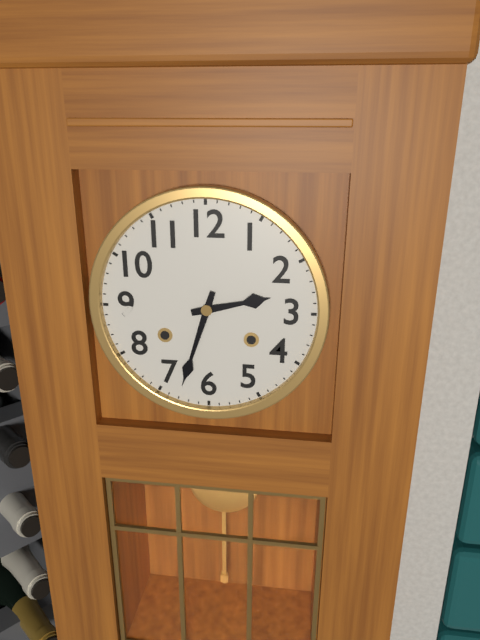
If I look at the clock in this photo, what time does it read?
2:33
